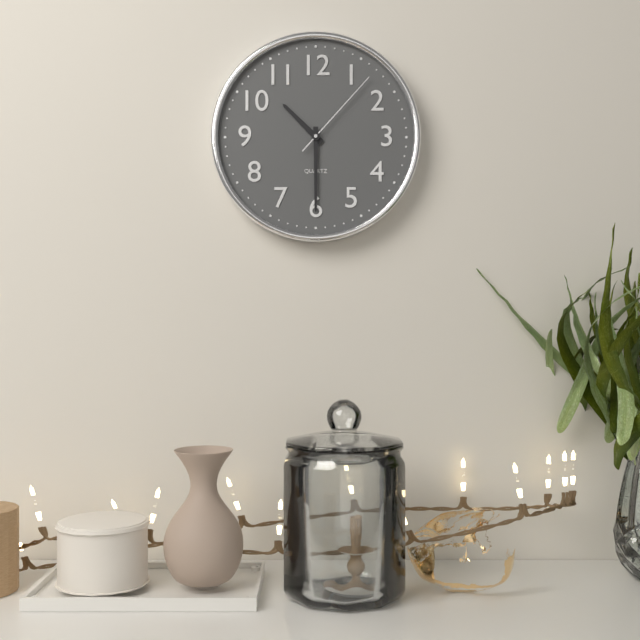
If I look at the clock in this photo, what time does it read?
10:30:07
